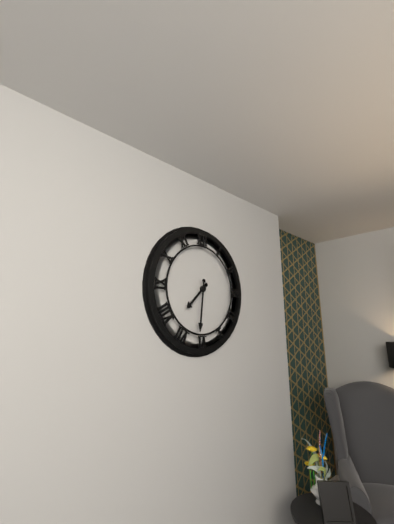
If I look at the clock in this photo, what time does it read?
7:31
